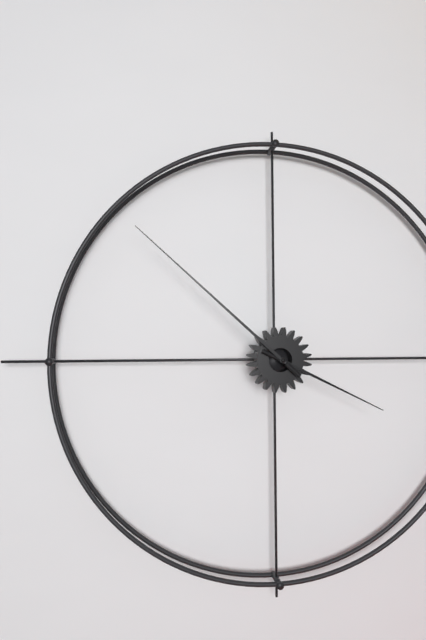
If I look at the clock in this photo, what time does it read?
3:52
